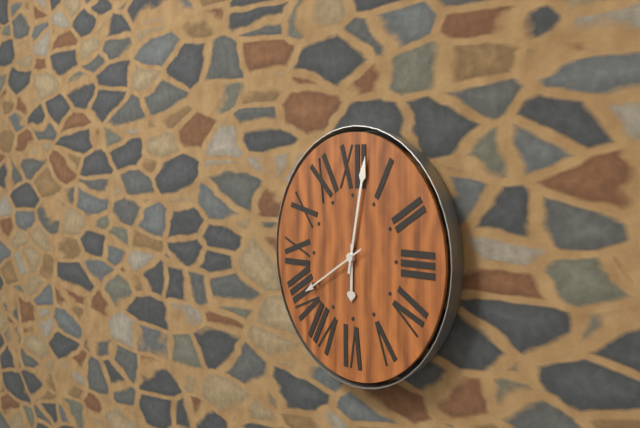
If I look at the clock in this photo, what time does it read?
6:02:40
